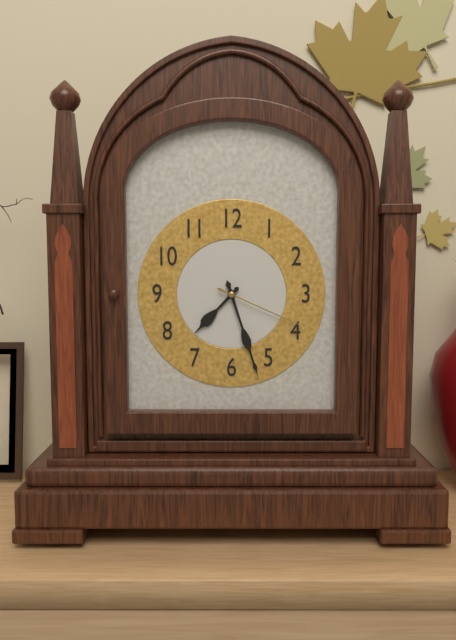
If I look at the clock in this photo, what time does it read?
7:27:19
